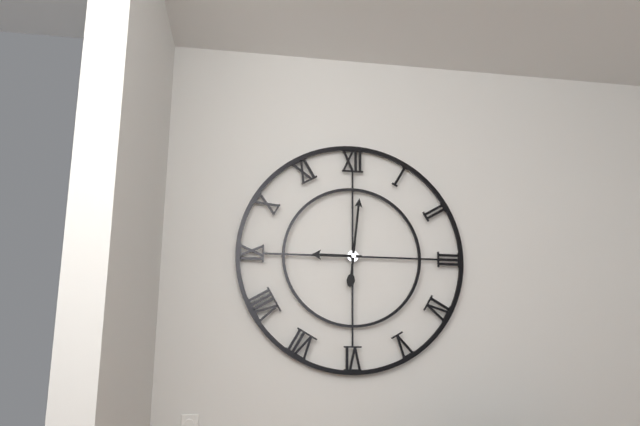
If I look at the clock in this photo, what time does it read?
9:01
